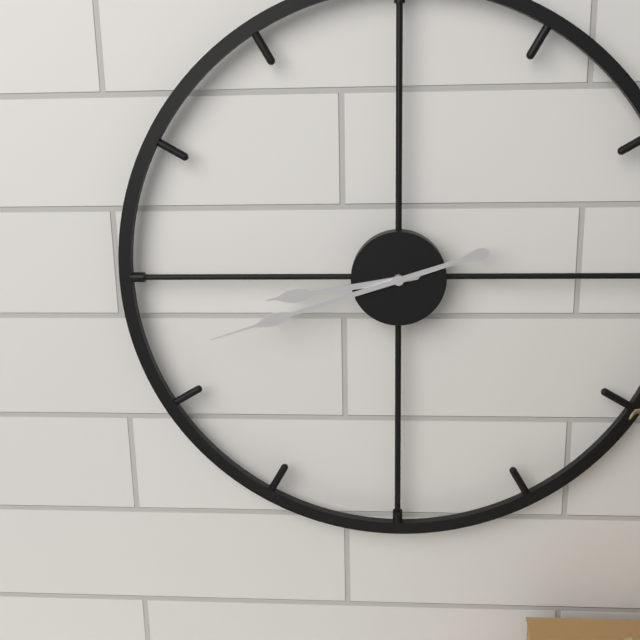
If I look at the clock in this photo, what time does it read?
8:42
